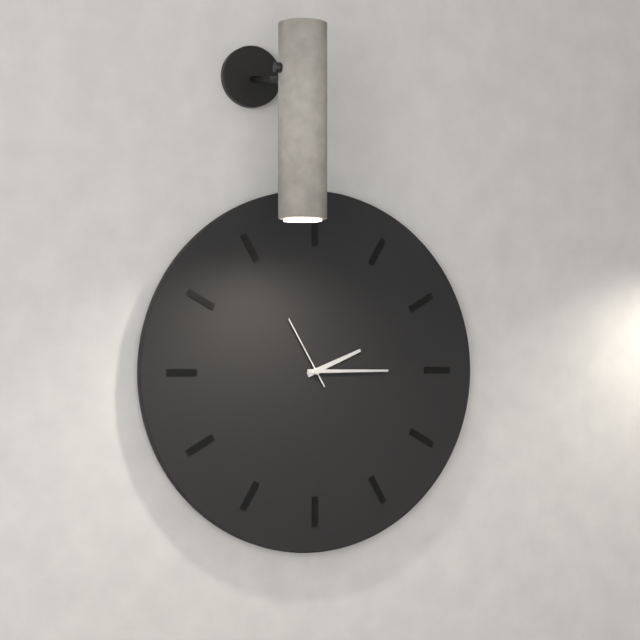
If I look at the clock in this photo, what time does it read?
2:15:55
